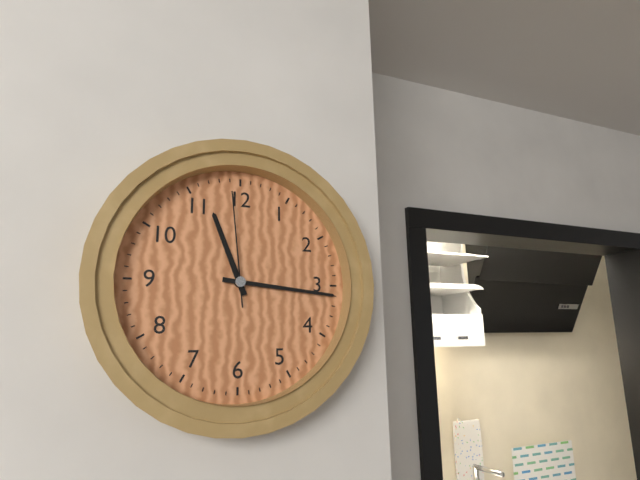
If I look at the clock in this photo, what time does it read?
11:16:59
